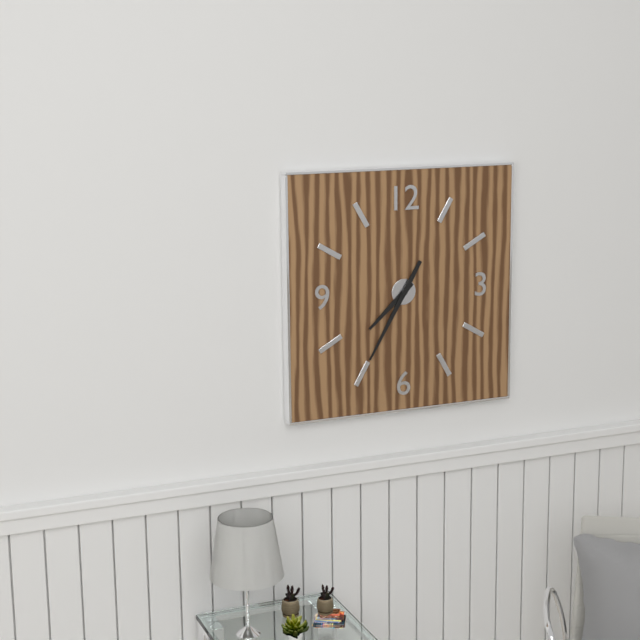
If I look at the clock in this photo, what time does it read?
7:35
